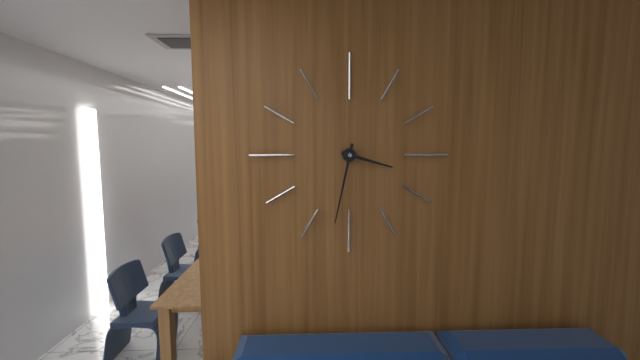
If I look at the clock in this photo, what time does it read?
3:32
